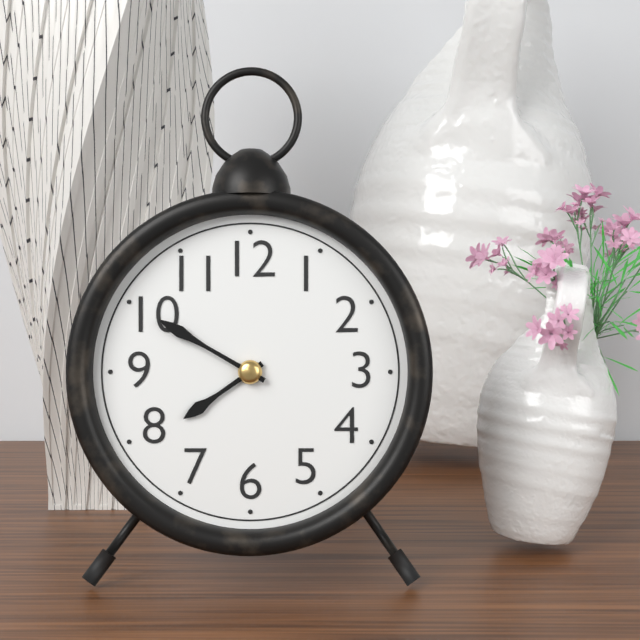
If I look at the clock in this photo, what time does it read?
7:50
